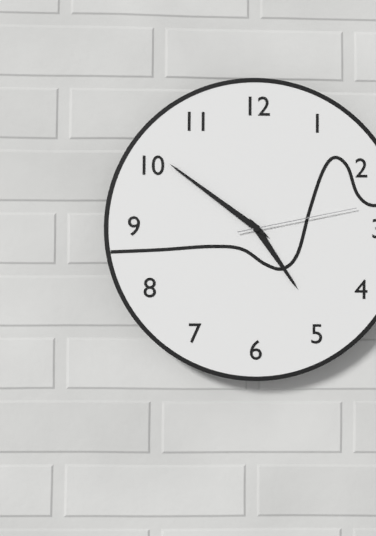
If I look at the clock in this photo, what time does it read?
4:51:13
